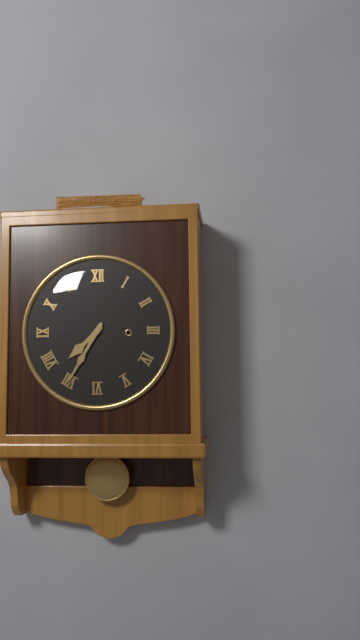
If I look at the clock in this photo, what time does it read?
7:35
